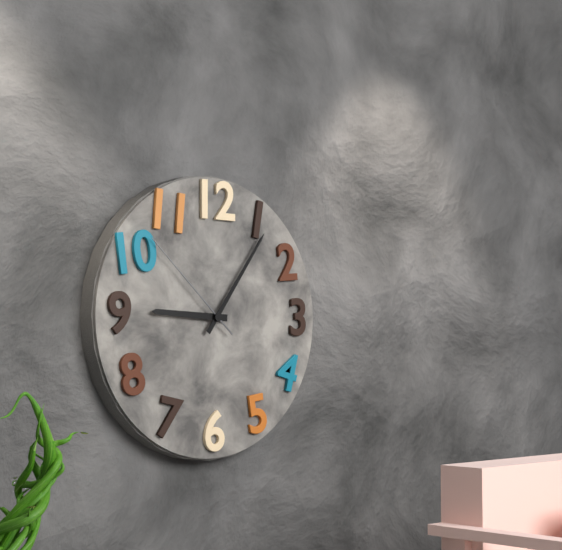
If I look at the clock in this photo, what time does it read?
9:06:52
